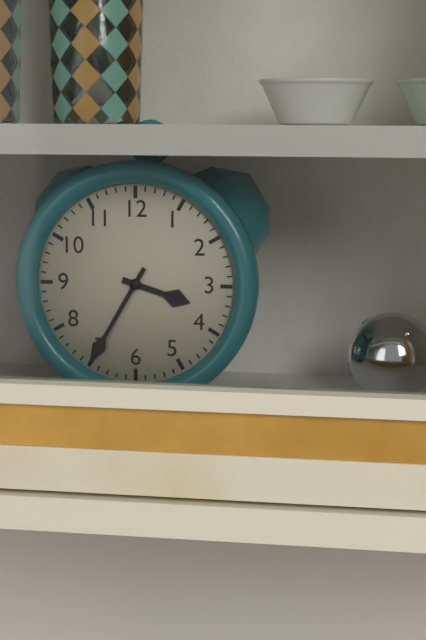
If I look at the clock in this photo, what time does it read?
3:35
